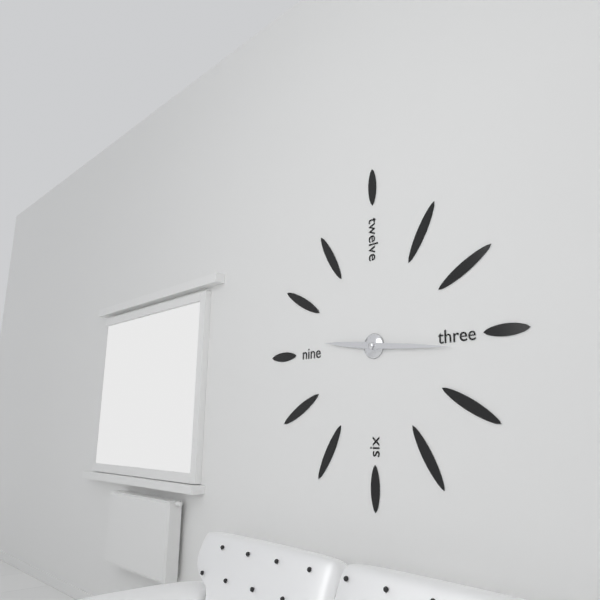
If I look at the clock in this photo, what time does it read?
9:16
